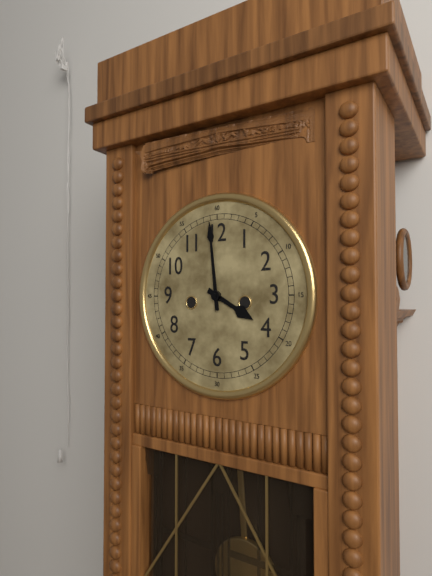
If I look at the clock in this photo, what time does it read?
3:59
